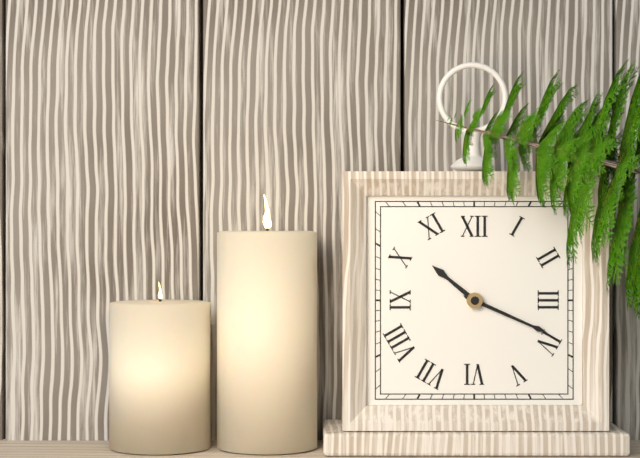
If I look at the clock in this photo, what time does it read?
10:19
